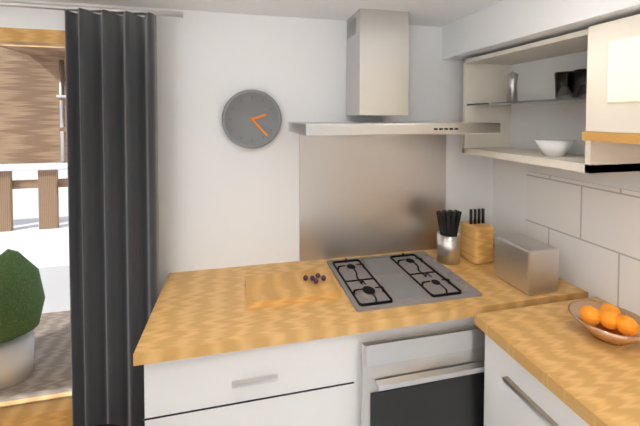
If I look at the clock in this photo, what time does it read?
2:23
